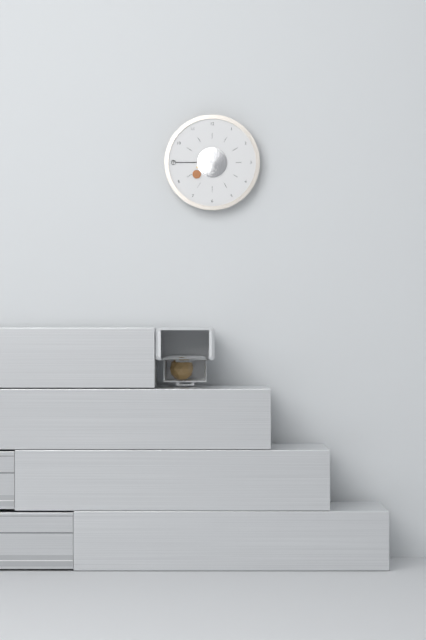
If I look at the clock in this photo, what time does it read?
7:45
